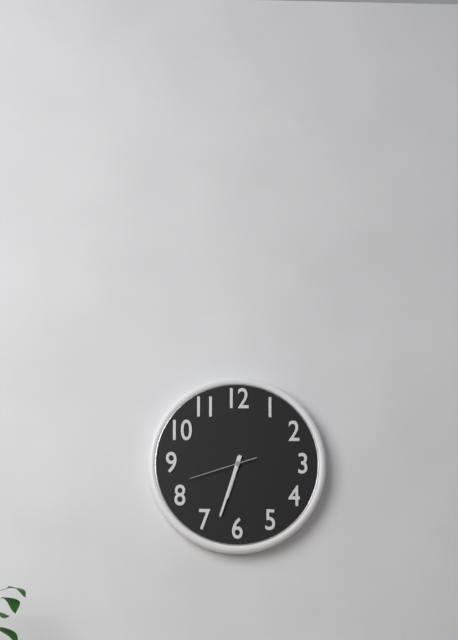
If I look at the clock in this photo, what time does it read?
6:33:42
